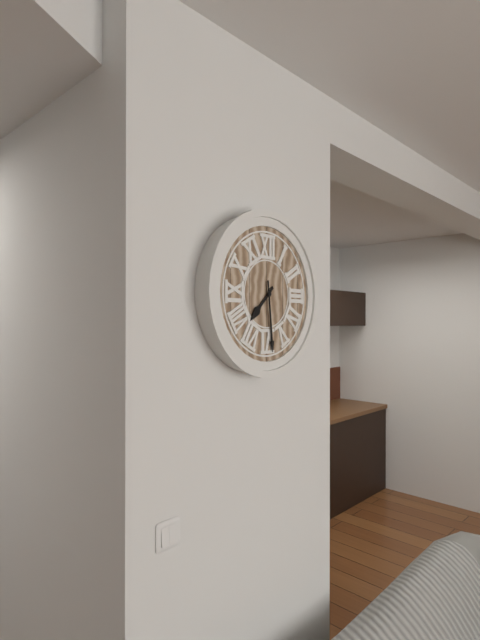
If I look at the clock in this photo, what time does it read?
7:29
